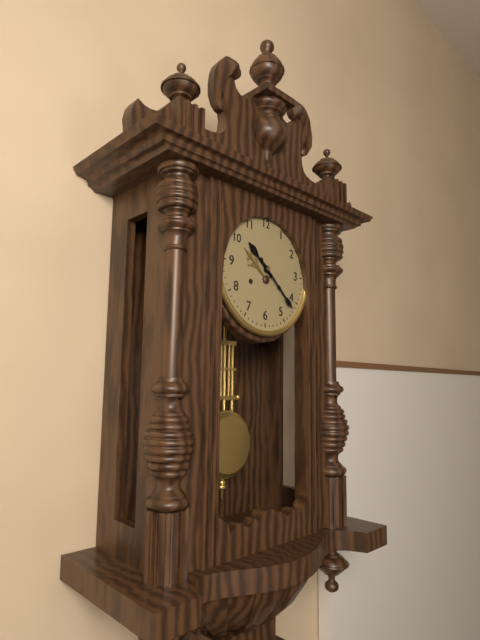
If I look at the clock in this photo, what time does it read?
10:22
